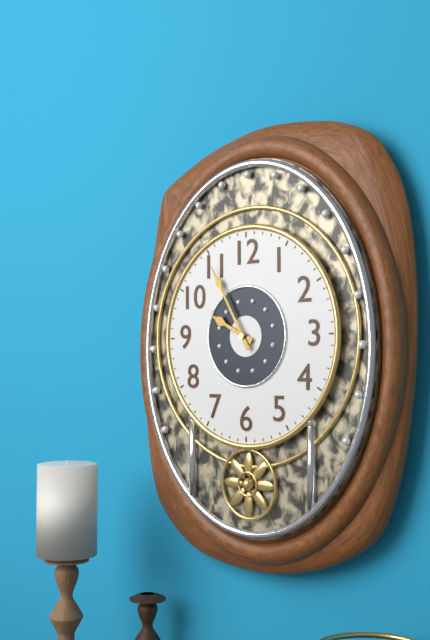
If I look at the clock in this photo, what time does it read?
9:55
